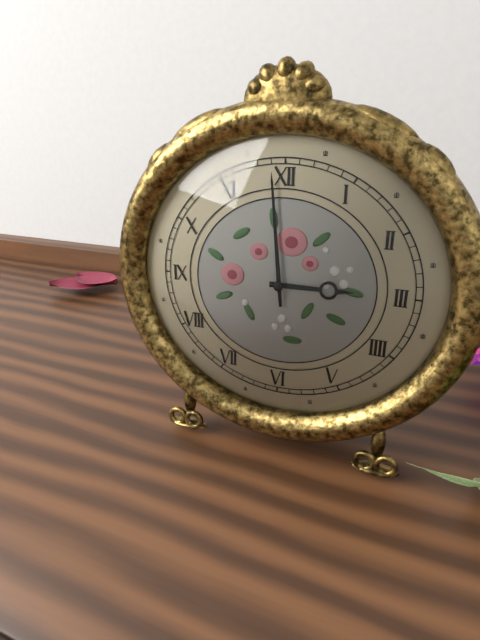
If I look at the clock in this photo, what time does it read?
2:59
